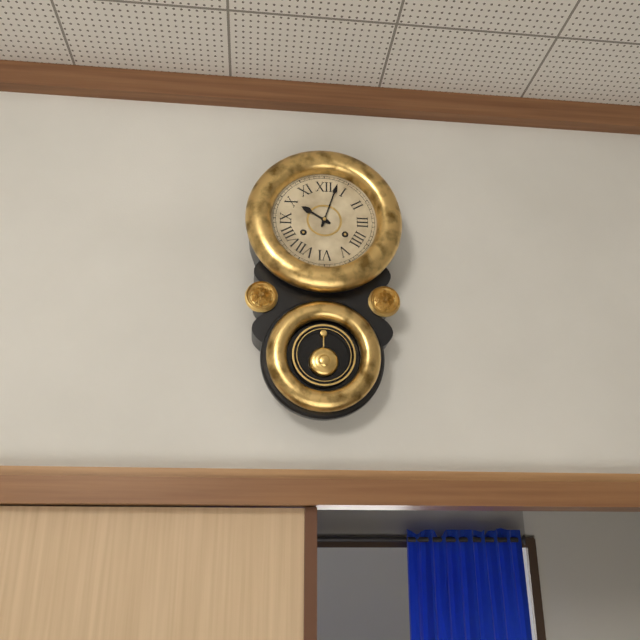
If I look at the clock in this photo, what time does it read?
10:03
